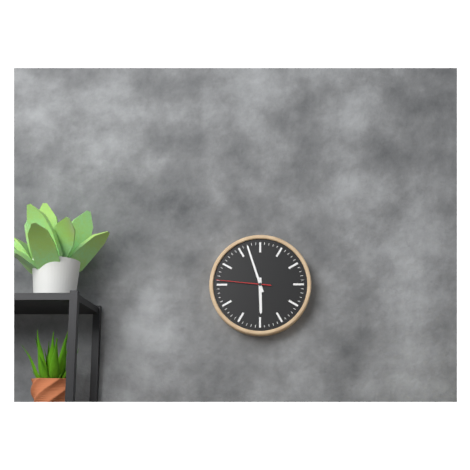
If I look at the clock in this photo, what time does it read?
5:57:46
